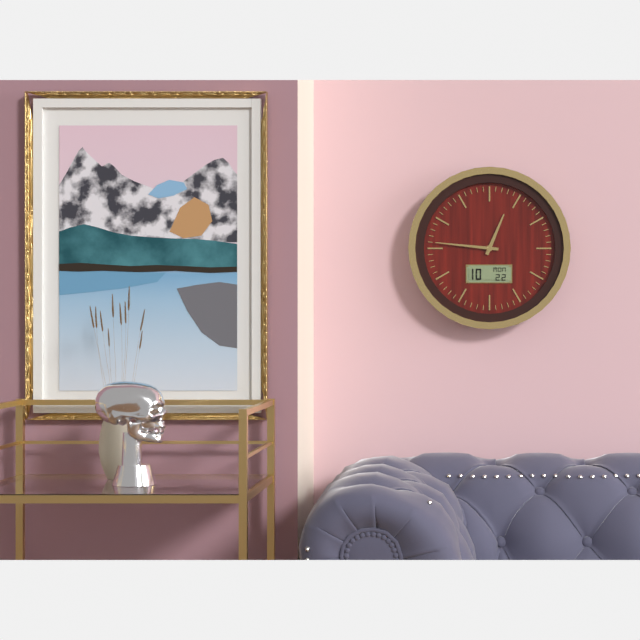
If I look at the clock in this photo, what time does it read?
12:46
